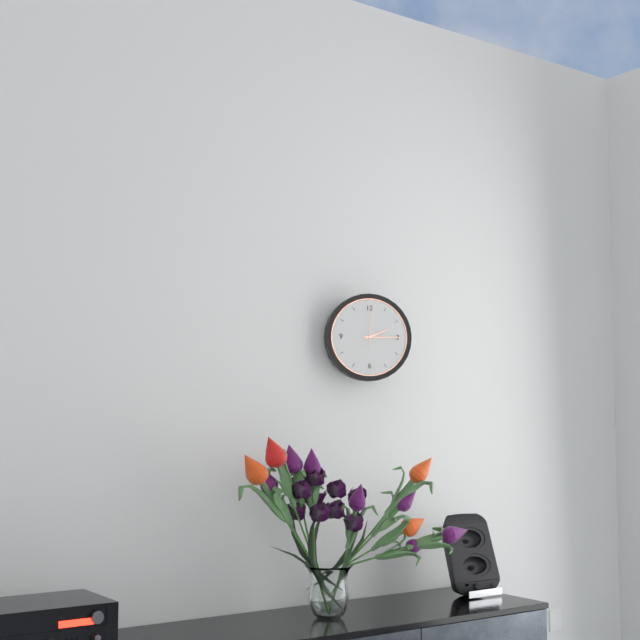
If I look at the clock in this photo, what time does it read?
2:15
